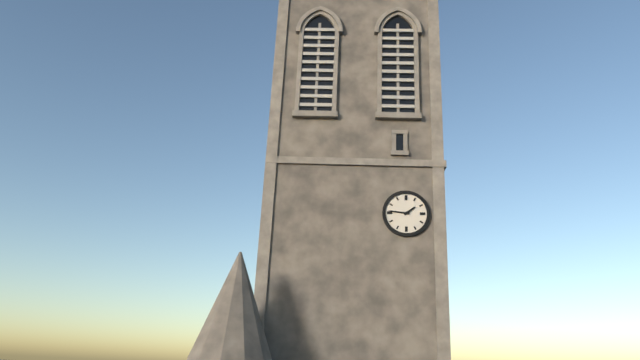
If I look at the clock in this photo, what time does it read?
1:46
